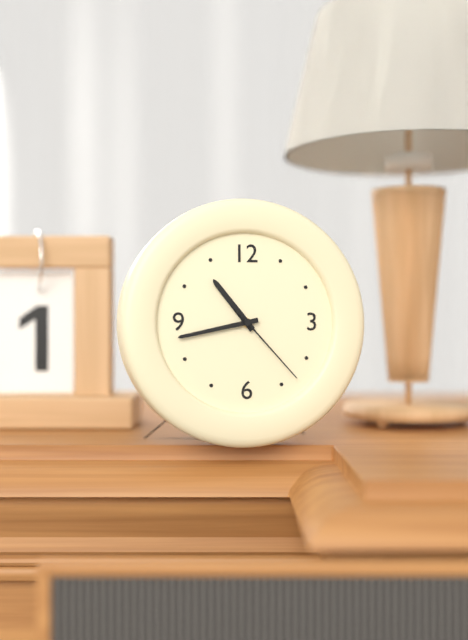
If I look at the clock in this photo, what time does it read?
10:43:23
